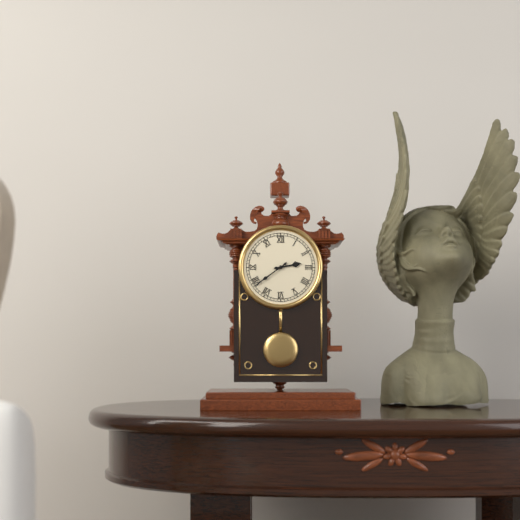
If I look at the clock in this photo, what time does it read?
2:39
